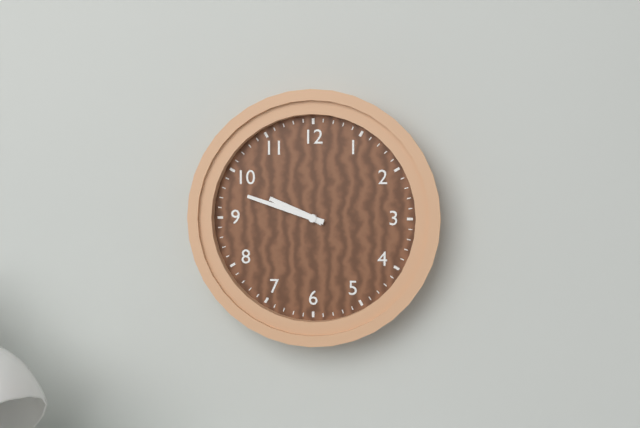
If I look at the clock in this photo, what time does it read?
9:48
